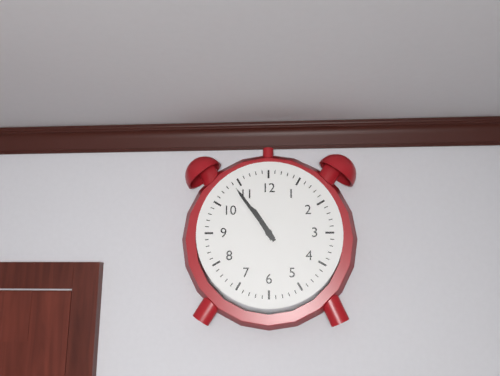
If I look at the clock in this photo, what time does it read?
10:54
